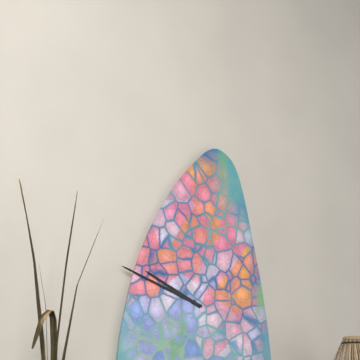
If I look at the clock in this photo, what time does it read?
9:48
